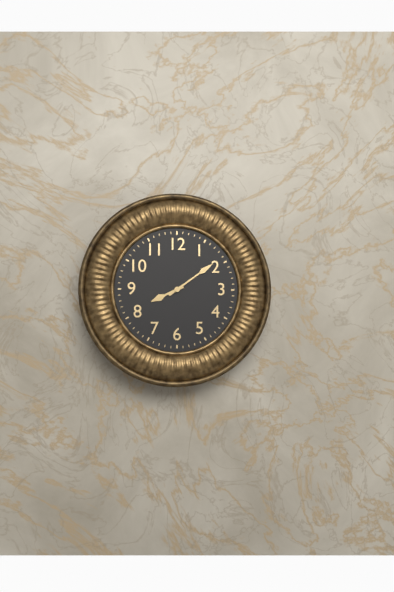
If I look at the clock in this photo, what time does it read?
8:09
